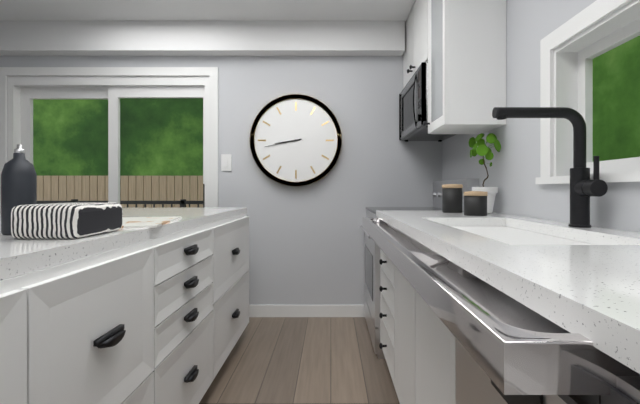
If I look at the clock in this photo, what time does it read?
8:43
